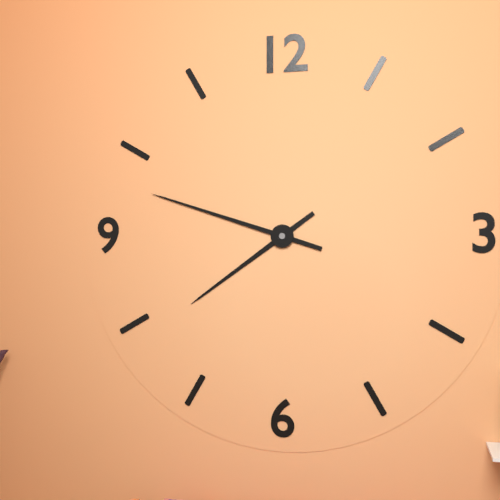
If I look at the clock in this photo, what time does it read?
7:48
